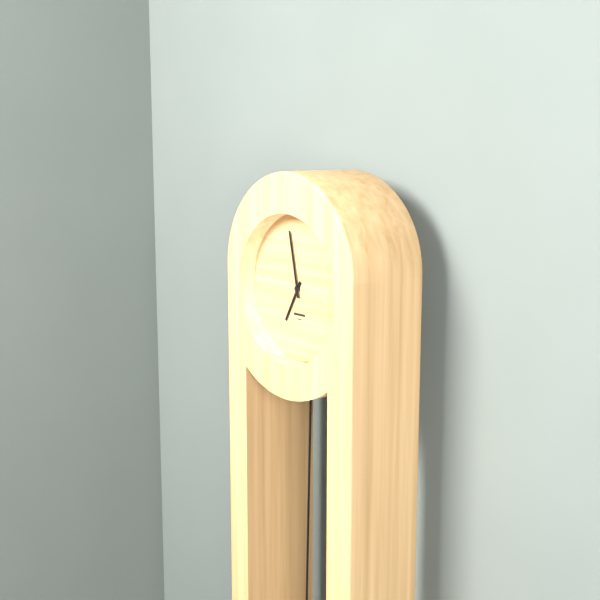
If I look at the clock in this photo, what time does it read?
6:58
